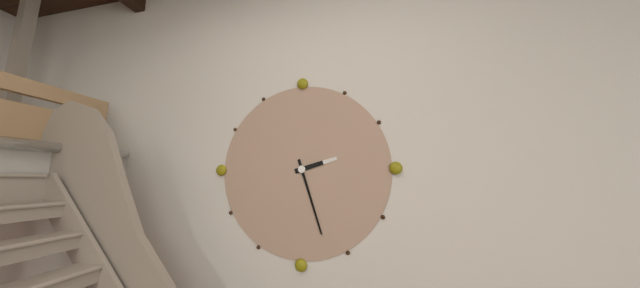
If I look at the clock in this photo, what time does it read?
2:27
